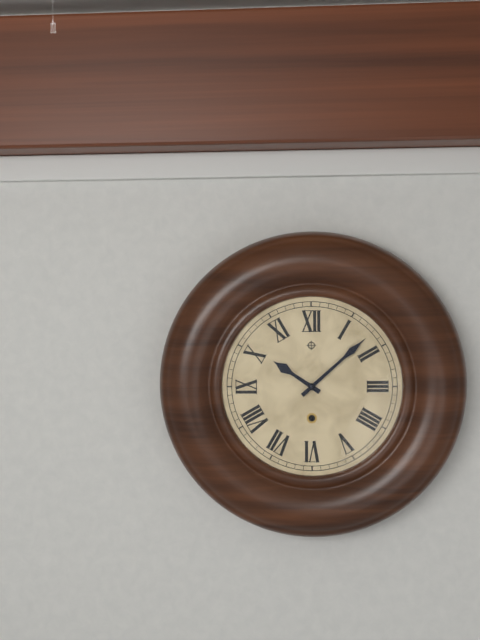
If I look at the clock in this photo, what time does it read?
10:08
